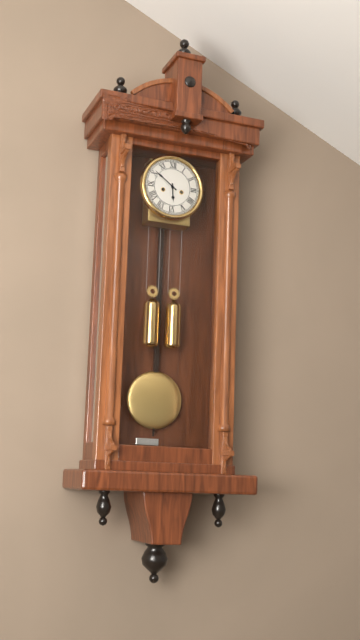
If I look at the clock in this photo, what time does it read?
5:51
